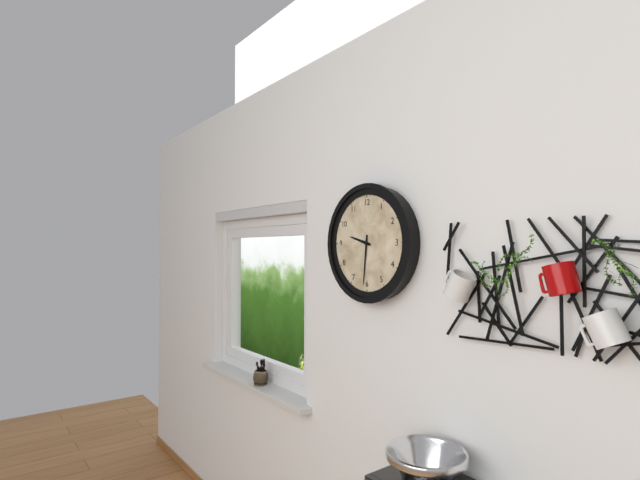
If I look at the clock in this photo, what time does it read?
9:31
